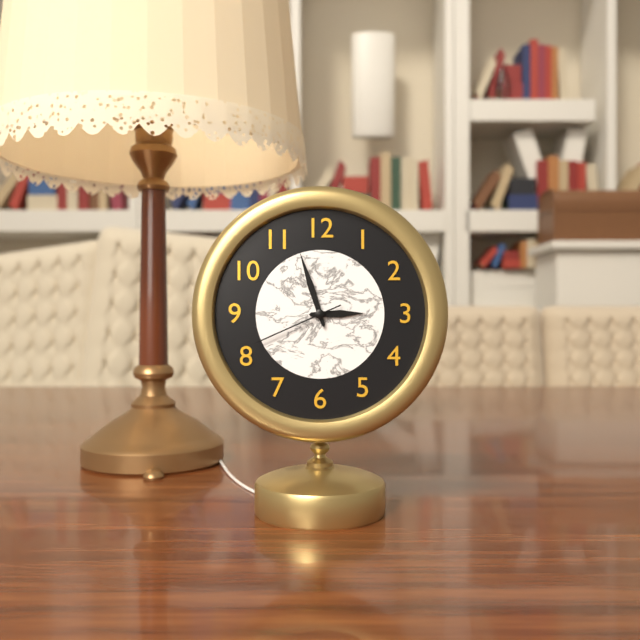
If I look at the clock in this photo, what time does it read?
2:57:41
